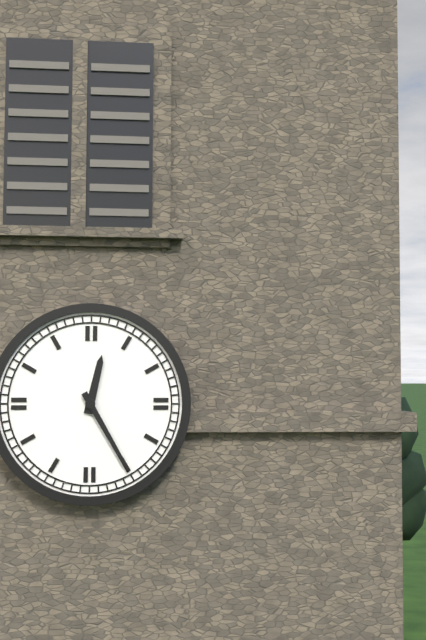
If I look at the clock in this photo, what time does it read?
12:25
